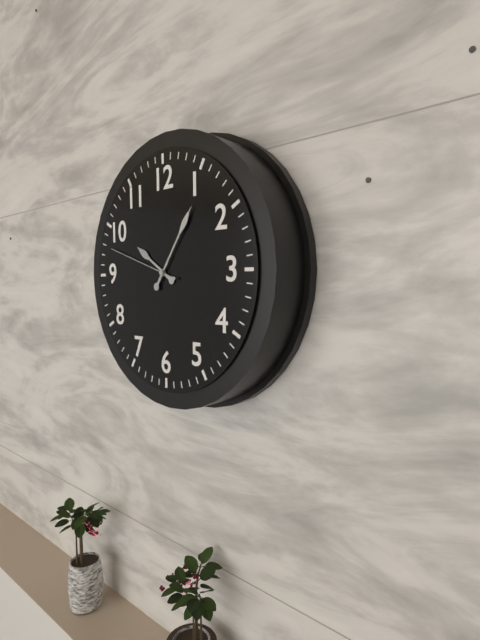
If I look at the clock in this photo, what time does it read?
10:06:48
